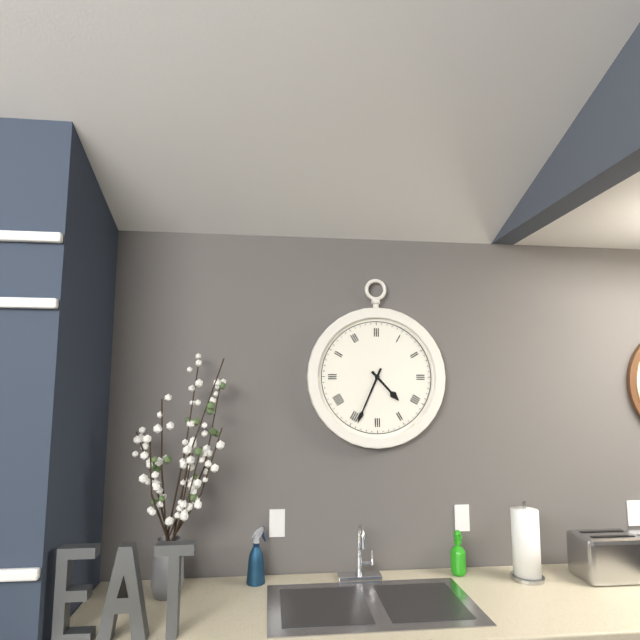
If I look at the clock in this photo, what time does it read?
4:34
